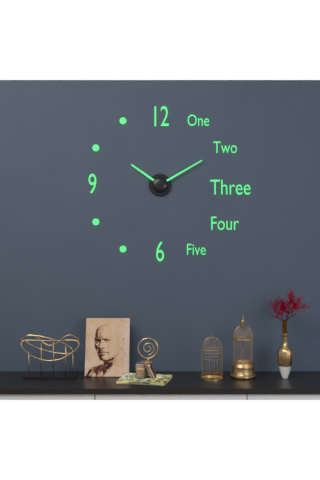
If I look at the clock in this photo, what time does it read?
10:10
